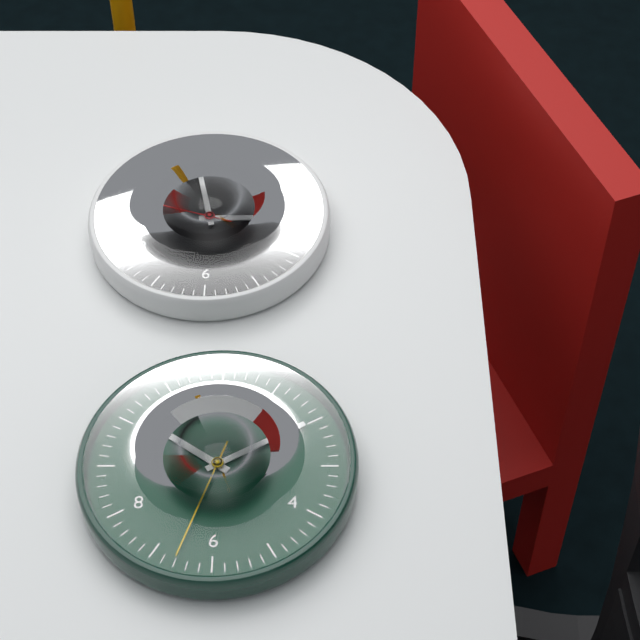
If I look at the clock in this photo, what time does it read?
2:58:48
